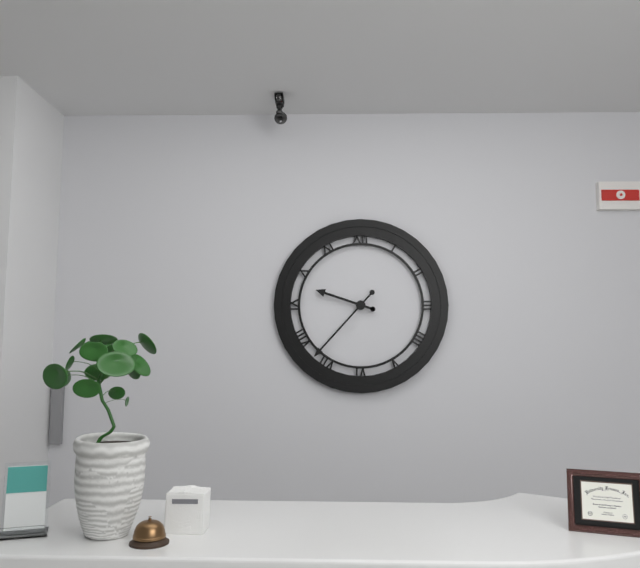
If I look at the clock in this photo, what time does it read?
9:37
